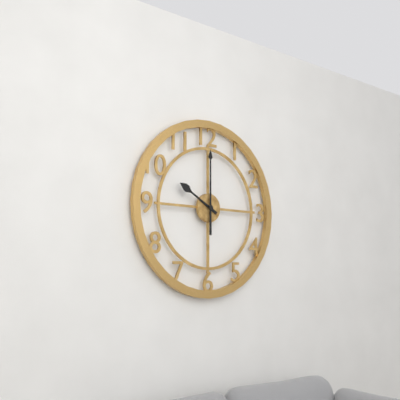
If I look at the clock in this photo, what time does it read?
10:00
